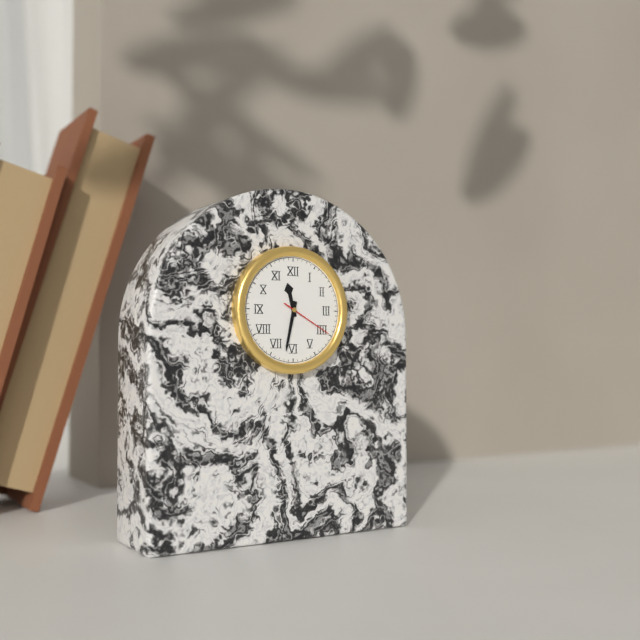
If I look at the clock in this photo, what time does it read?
11:32:20
